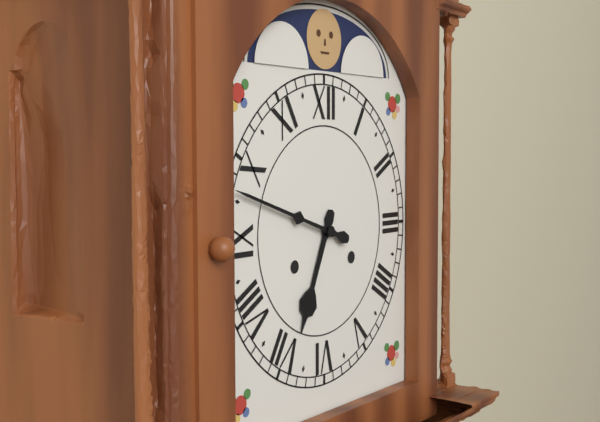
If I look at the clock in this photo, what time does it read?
6:48
